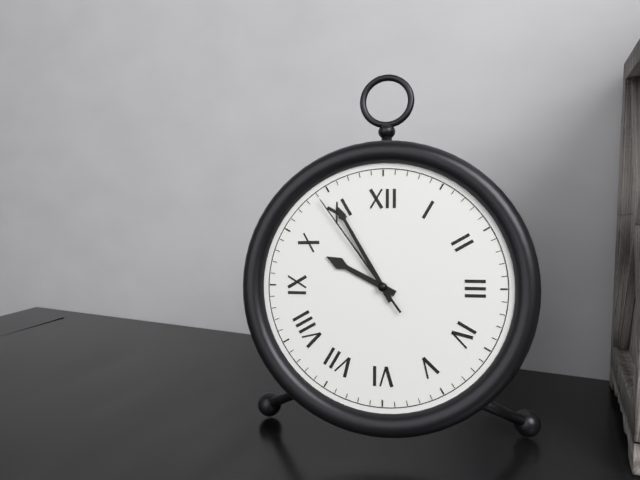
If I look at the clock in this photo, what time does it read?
9:55:54
